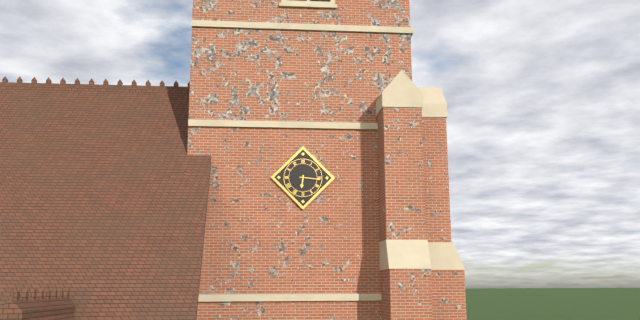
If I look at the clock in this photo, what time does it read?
6:16
